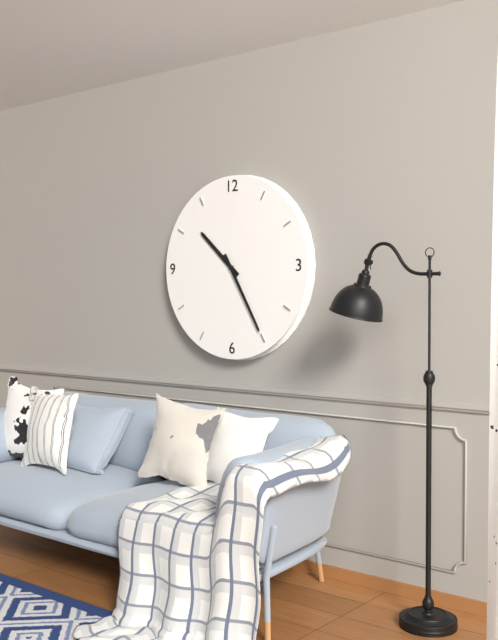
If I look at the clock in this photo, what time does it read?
10:25
